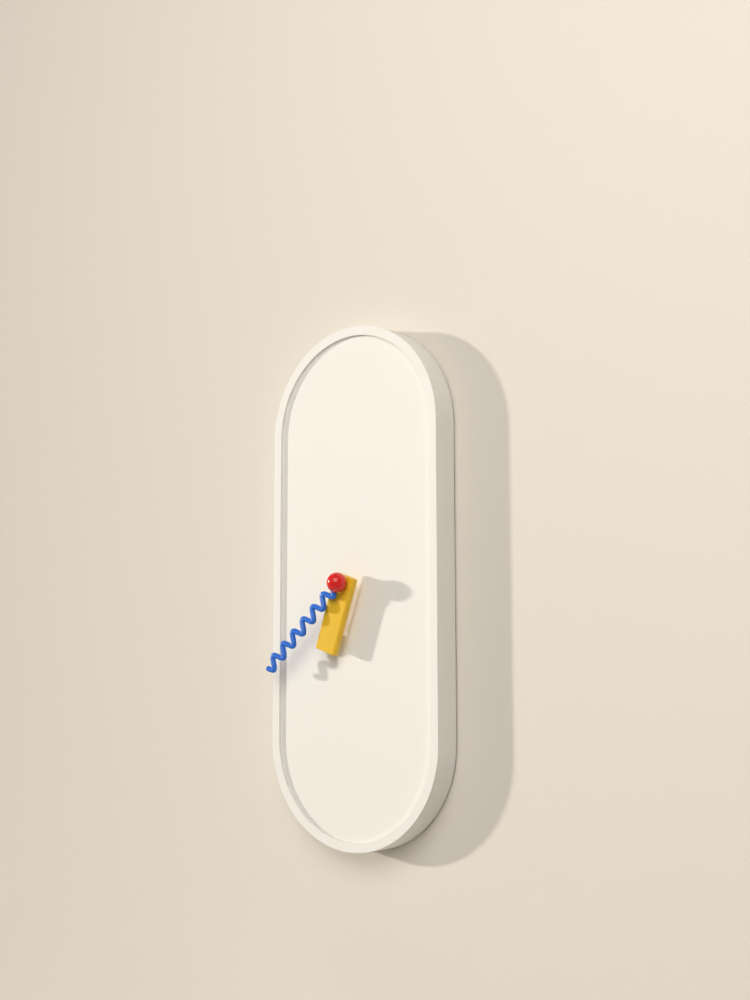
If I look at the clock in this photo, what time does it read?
6:38
